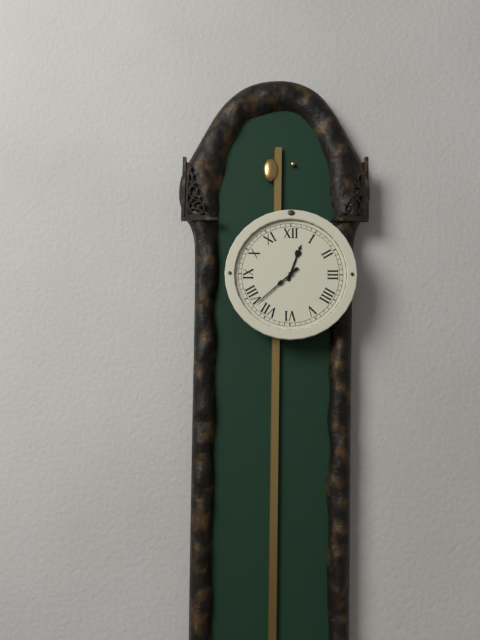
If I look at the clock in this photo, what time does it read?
12:38
